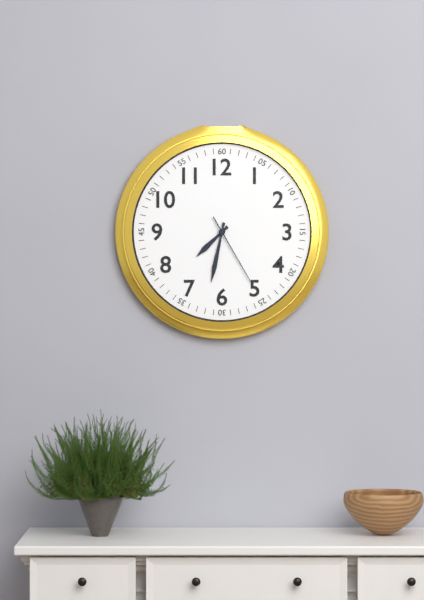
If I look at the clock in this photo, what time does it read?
7:32:25
